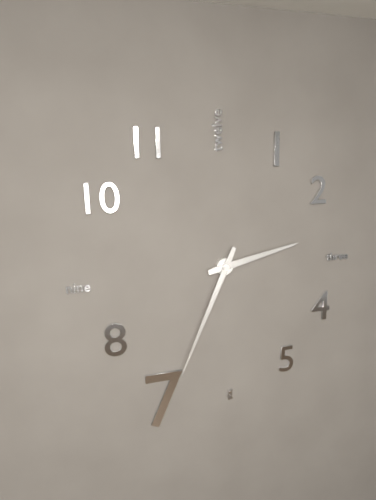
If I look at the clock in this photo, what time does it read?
2:34
